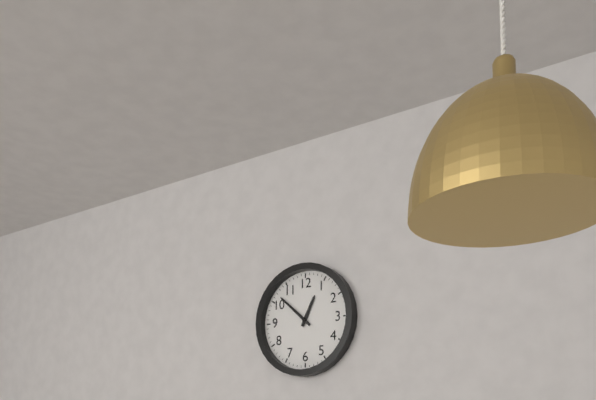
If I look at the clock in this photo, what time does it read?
12:52
